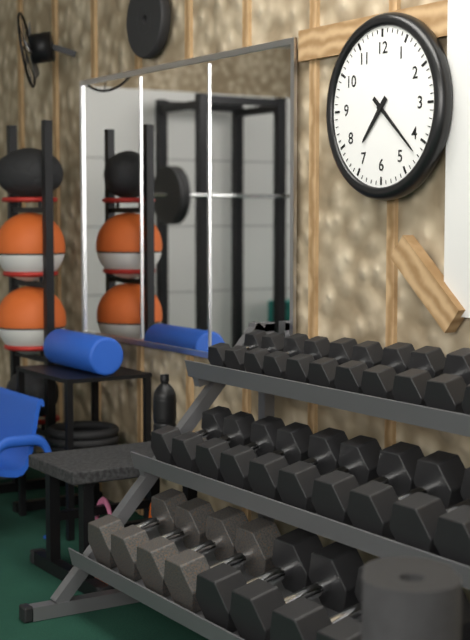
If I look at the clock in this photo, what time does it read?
7:22
